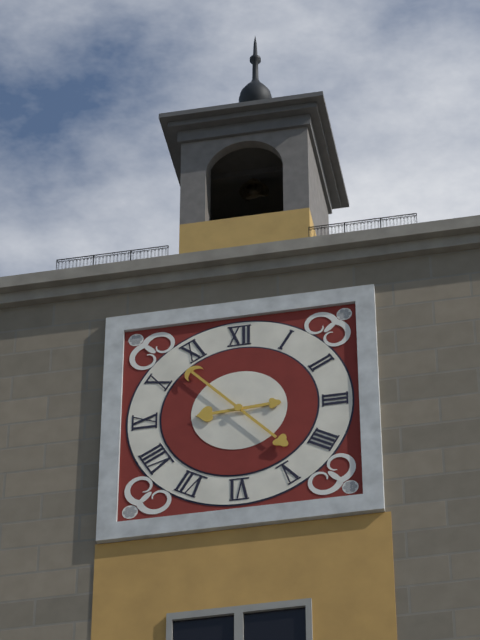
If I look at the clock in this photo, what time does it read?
8:53
